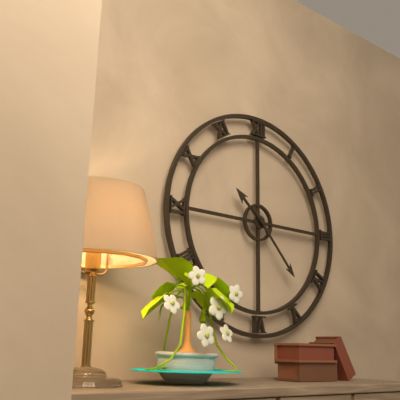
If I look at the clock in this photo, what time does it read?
10:23
